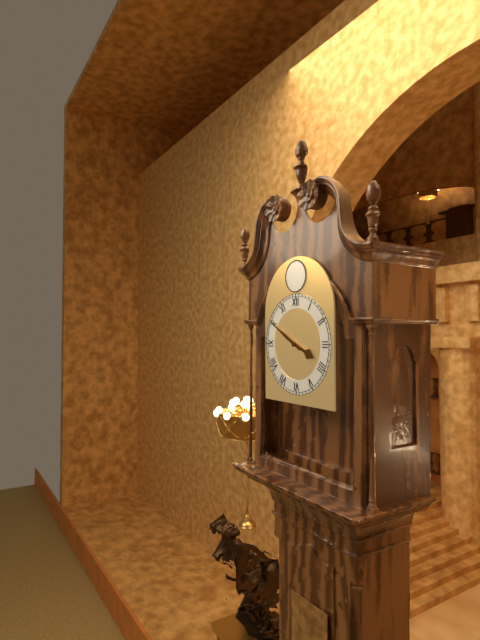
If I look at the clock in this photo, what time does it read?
3:50
